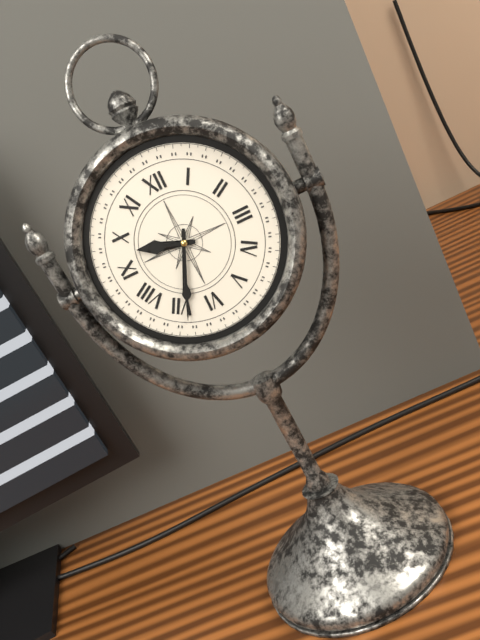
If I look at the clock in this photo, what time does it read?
9:34
